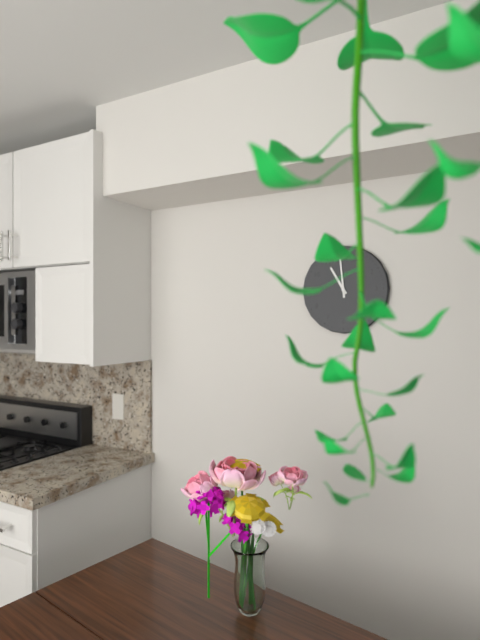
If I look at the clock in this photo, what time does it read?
10:59
